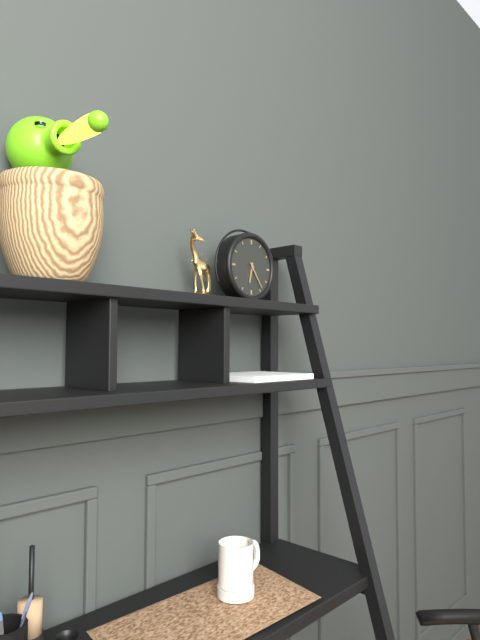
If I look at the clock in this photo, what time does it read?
6:24
